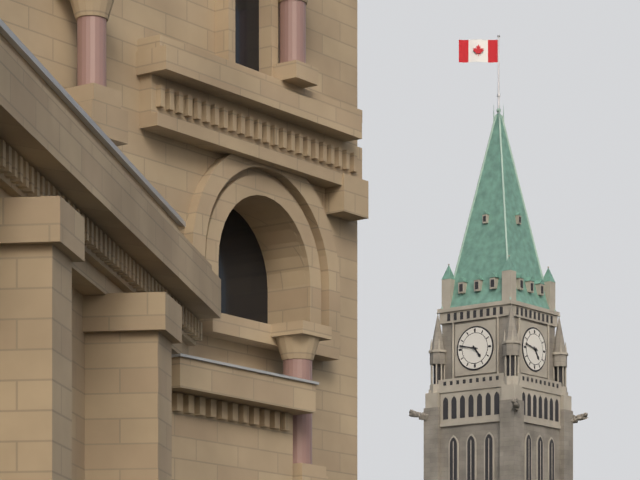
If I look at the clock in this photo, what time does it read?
4:47
